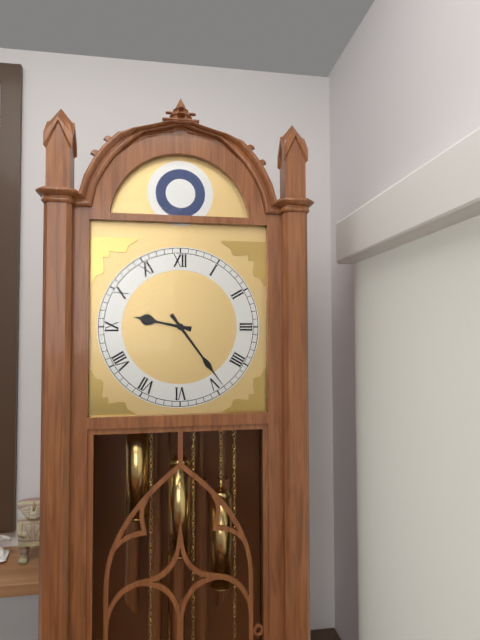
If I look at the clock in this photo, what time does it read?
9:24
